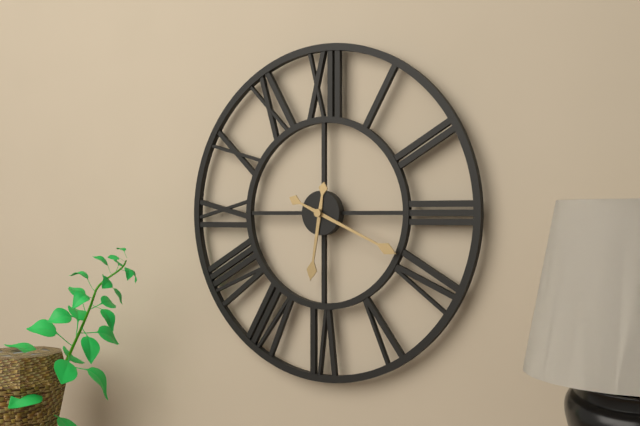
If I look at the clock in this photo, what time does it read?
6:19
